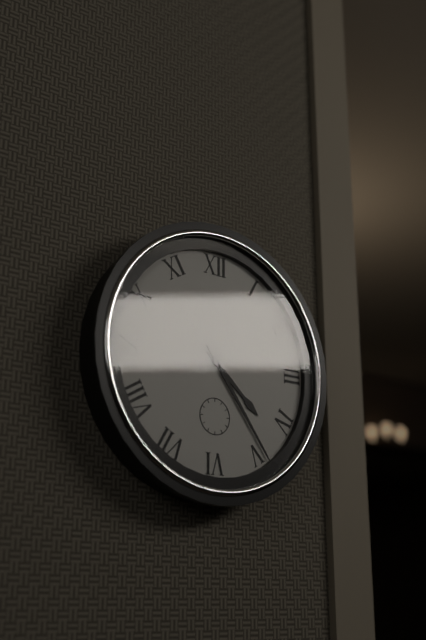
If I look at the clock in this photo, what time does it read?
4:24
